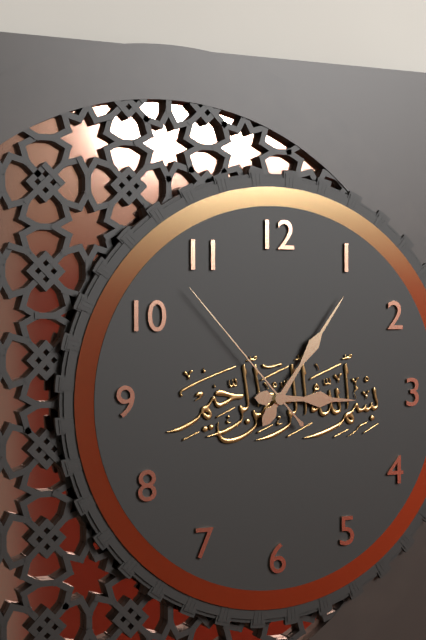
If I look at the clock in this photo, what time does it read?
3:06:53
